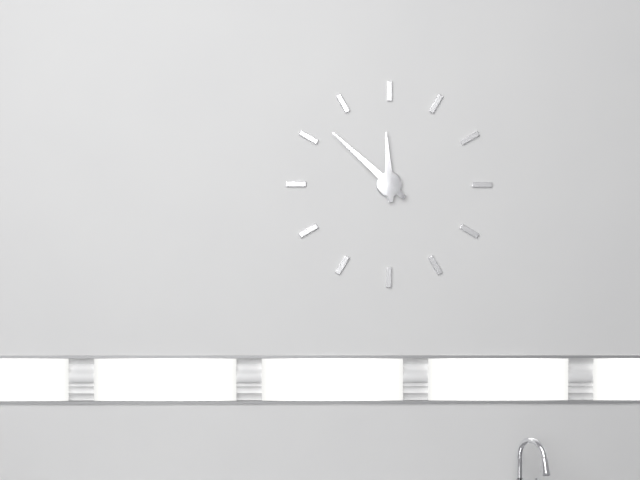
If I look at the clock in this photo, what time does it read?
11:52
